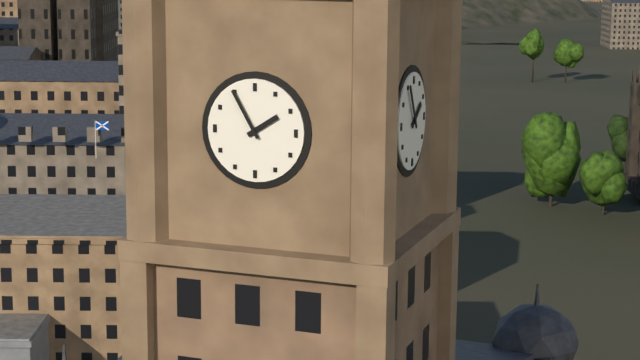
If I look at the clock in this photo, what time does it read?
1:55
